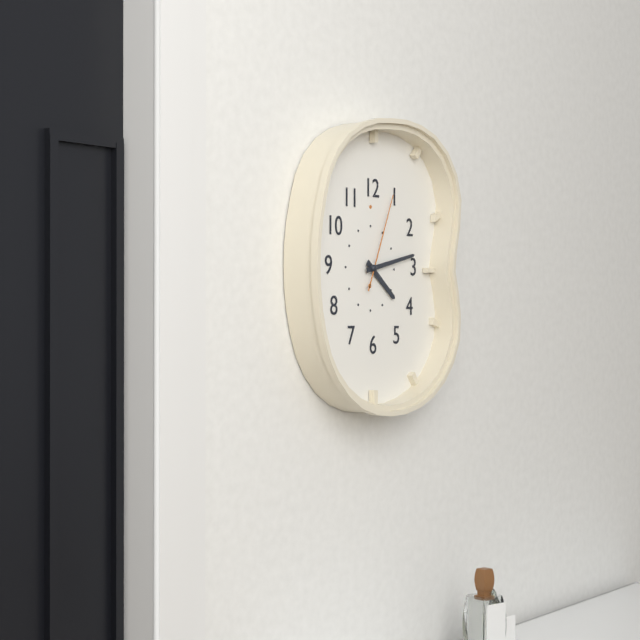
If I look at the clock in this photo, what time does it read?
4:13:04
